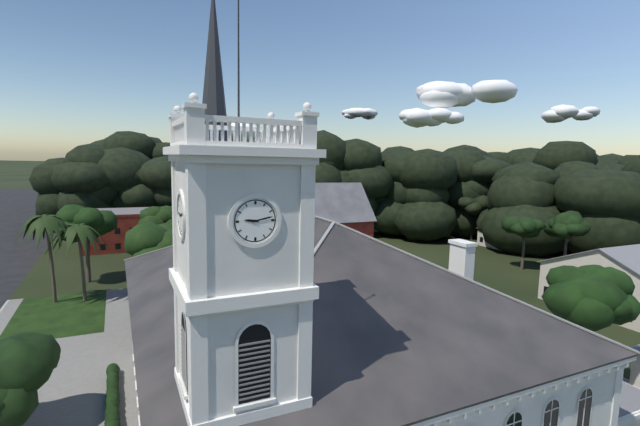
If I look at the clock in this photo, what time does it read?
9:13
